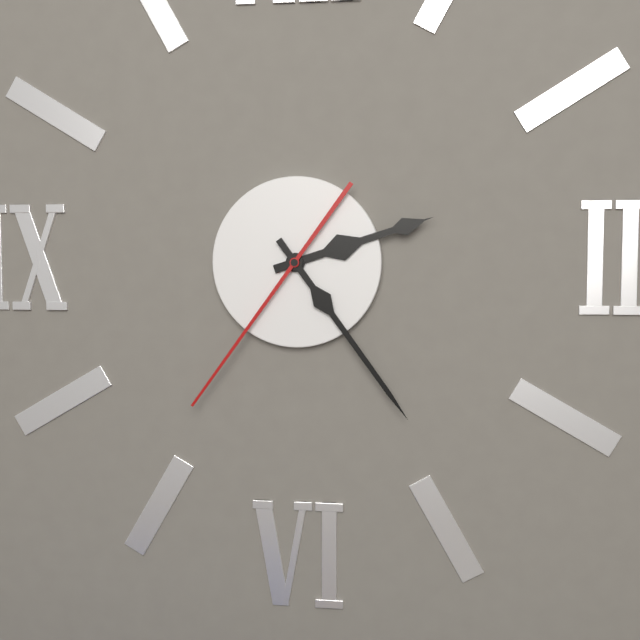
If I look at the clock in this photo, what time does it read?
2:24:36
